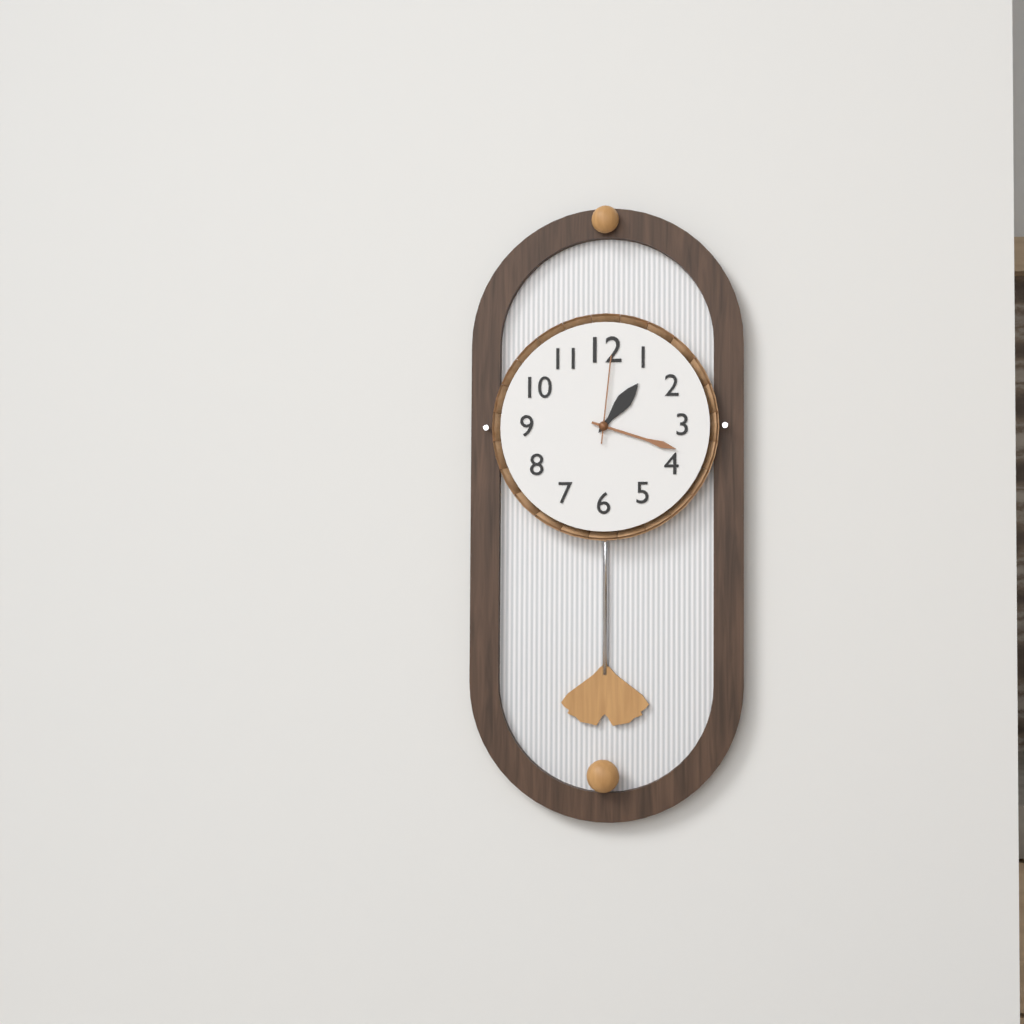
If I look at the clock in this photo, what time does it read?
1:18:01
